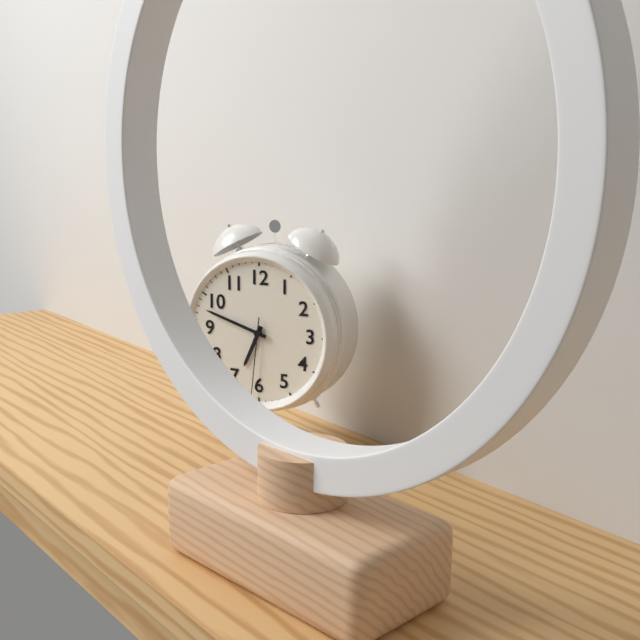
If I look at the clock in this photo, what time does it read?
6:48:31
